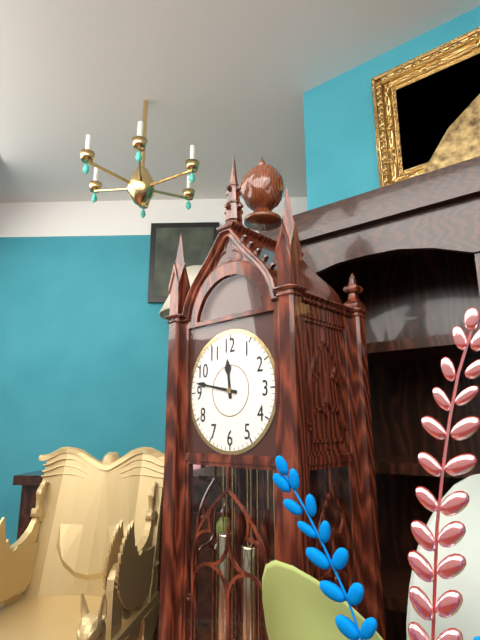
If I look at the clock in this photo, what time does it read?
11:47
